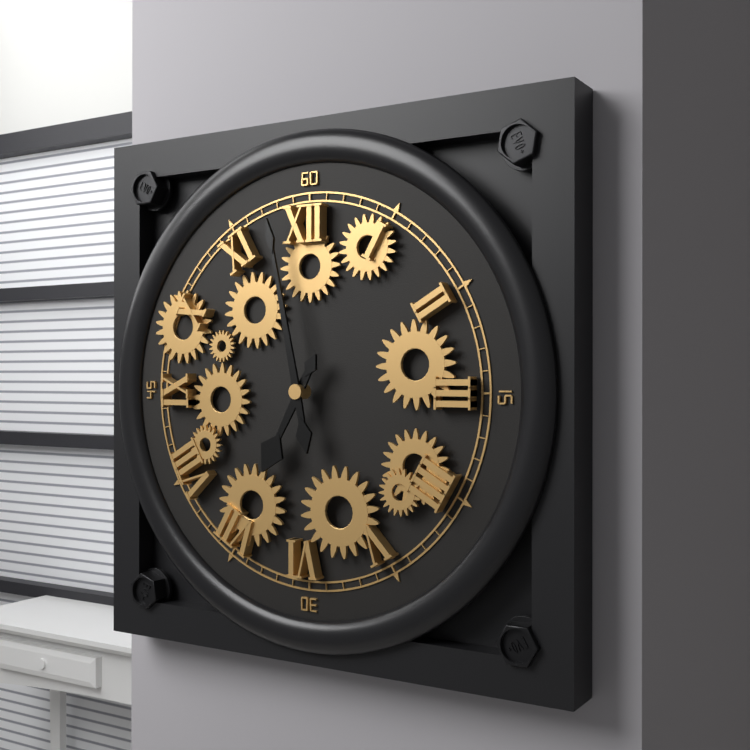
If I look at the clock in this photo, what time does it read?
6:58
